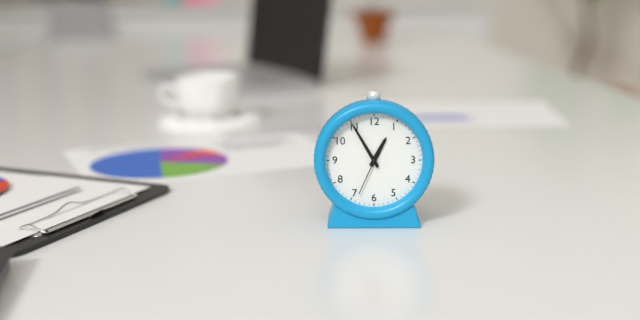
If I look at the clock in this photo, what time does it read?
12:55
